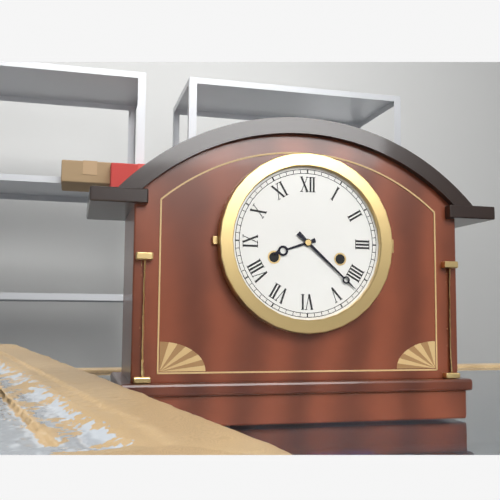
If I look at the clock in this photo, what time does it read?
8:22
